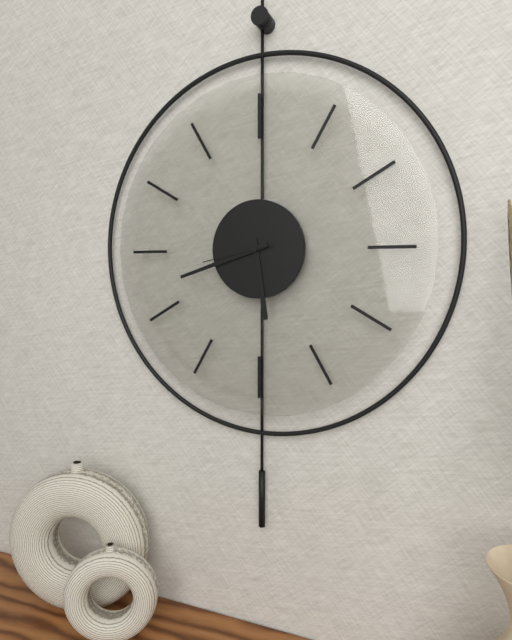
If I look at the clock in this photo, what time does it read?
5:42:43
